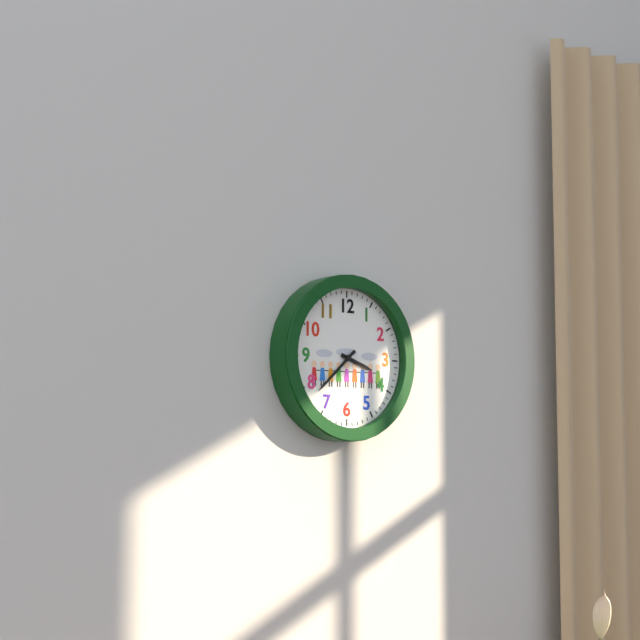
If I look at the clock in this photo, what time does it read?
3:38
